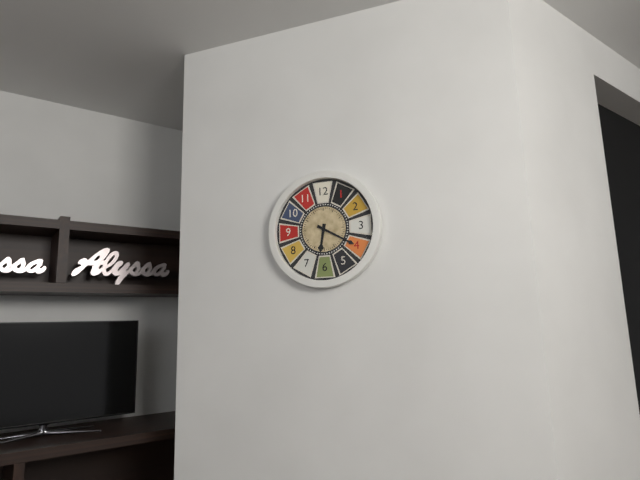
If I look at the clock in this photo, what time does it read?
6:20
